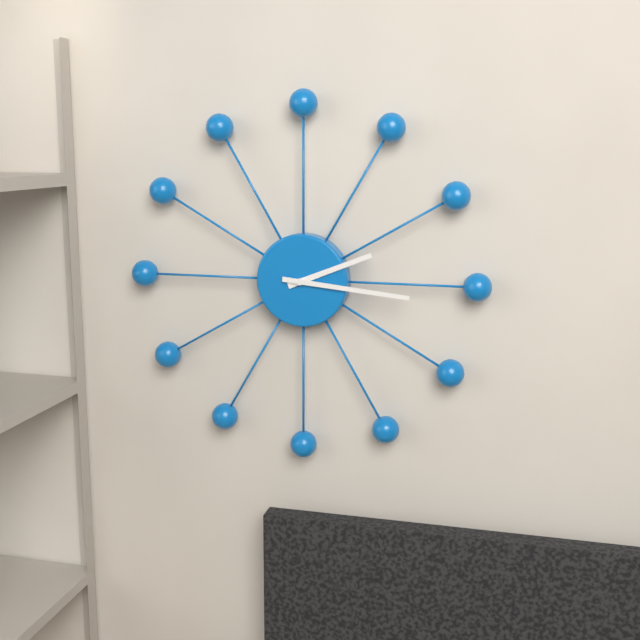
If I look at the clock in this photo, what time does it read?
2:16
